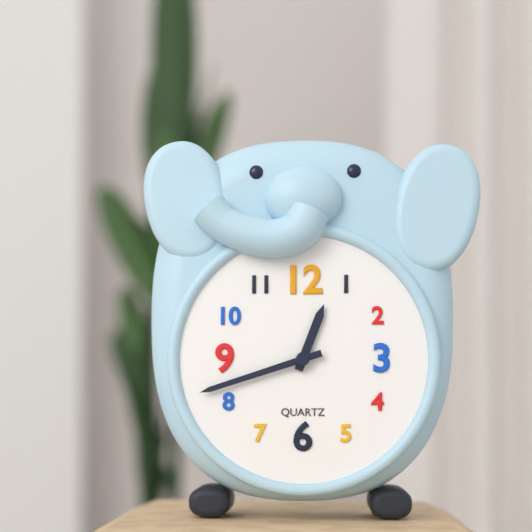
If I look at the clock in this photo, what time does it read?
12:42
